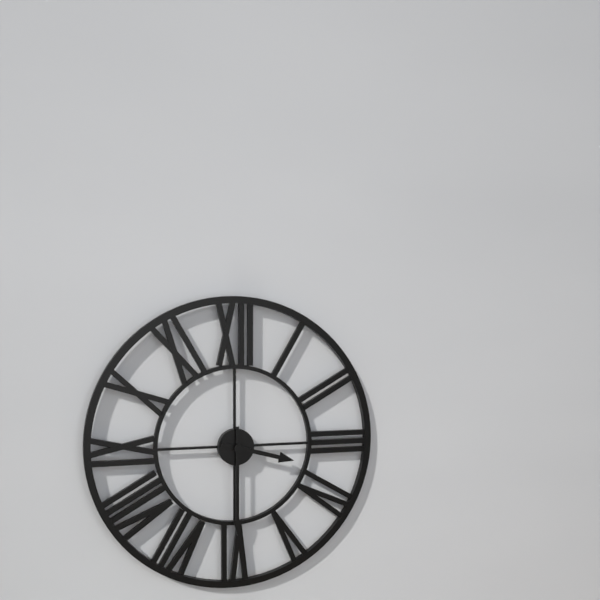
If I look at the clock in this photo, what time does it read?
3:30
